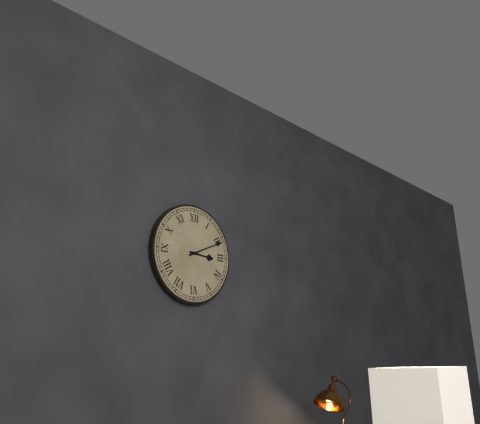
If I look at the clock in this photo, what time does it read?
3:11
